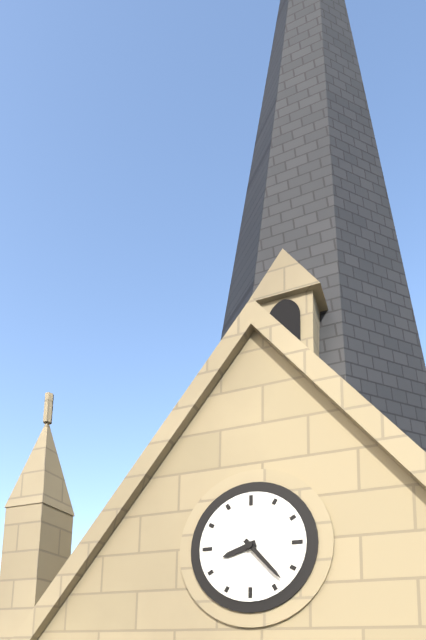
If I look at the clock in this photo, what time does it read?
8:23
